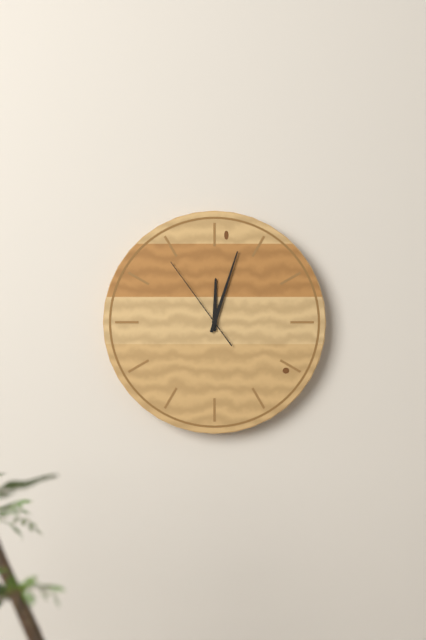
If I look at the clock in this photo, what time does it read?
12:03:54
